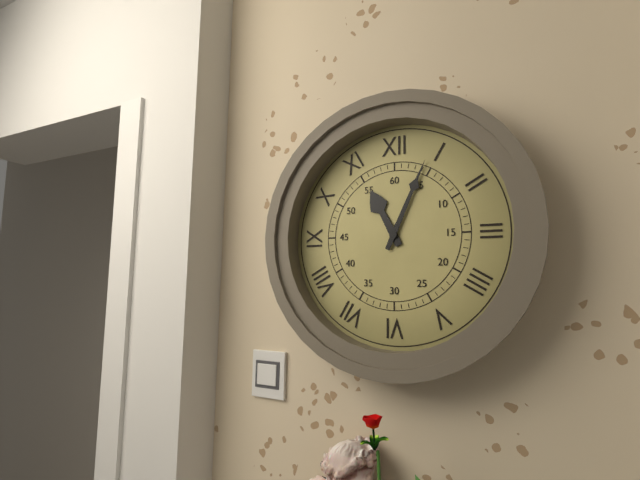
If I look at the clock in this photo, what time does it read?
11:04
